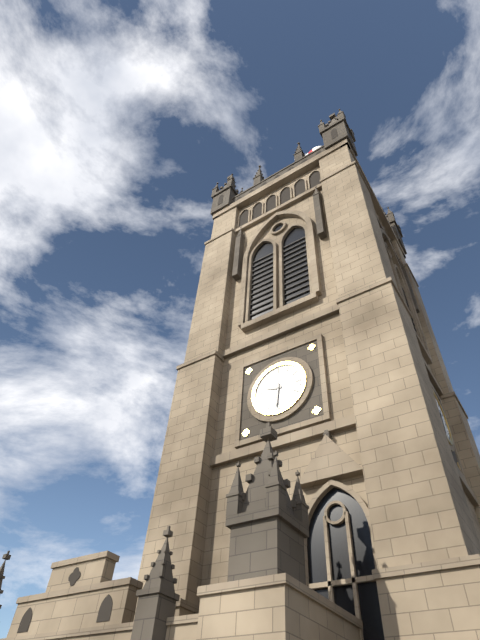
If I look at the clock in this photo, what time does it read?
9:31
